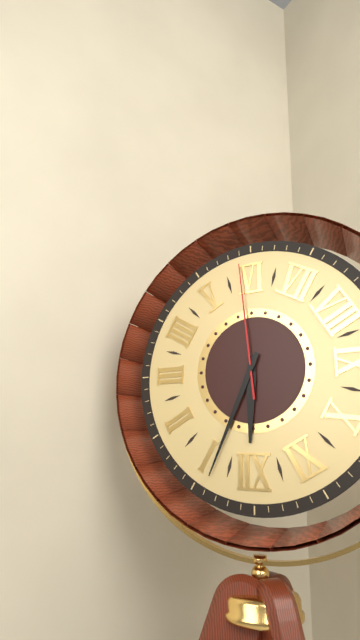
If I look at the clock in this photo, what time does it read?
12:04:29
